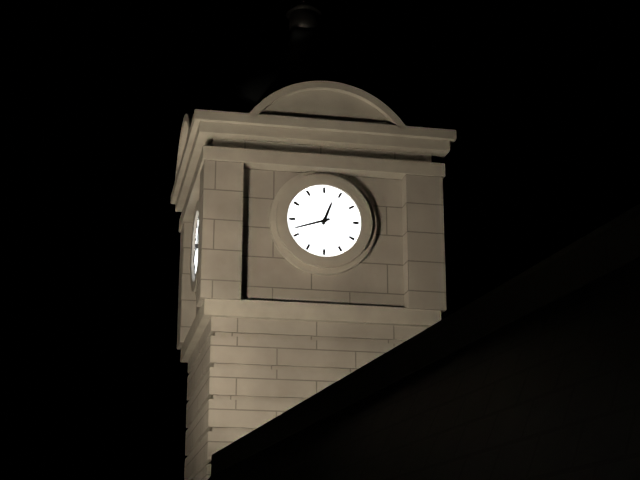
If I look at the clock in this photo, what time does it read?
12:42
